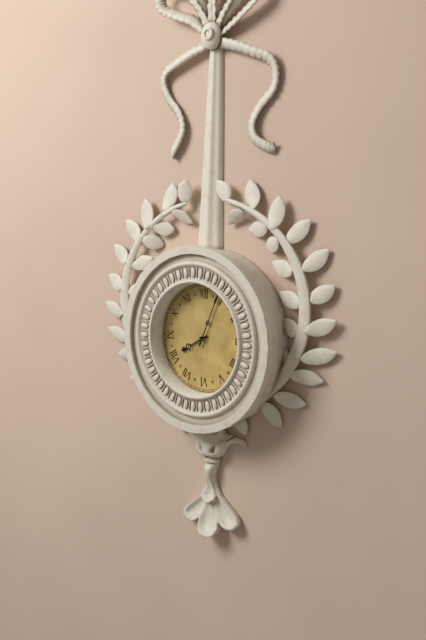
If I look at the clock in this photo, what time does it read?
8:04
